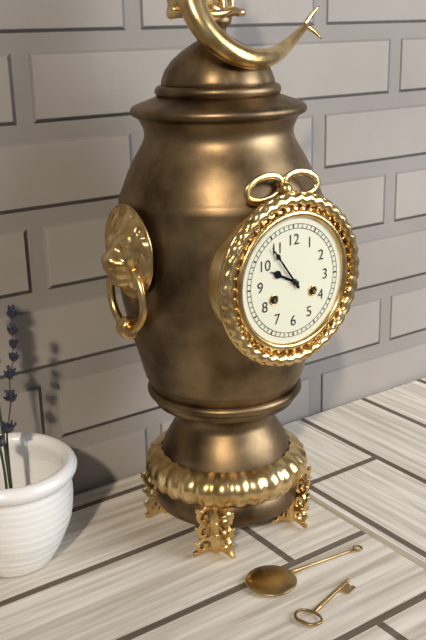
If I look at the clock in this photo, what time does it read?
9:54
